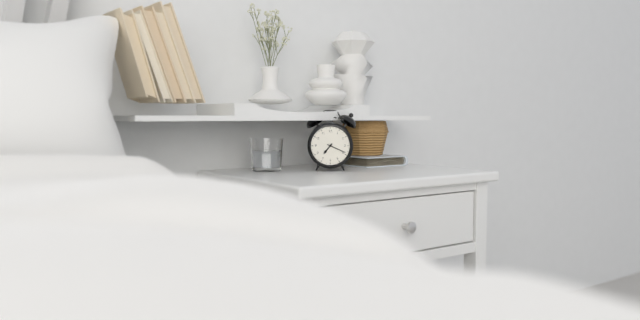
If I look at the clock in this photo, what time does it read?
7:19
